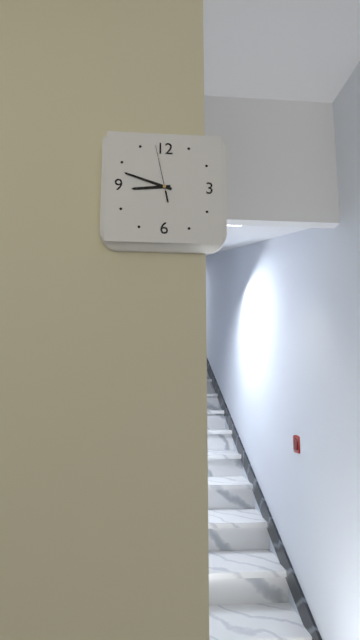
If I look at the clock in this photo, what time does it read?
8:48:58
